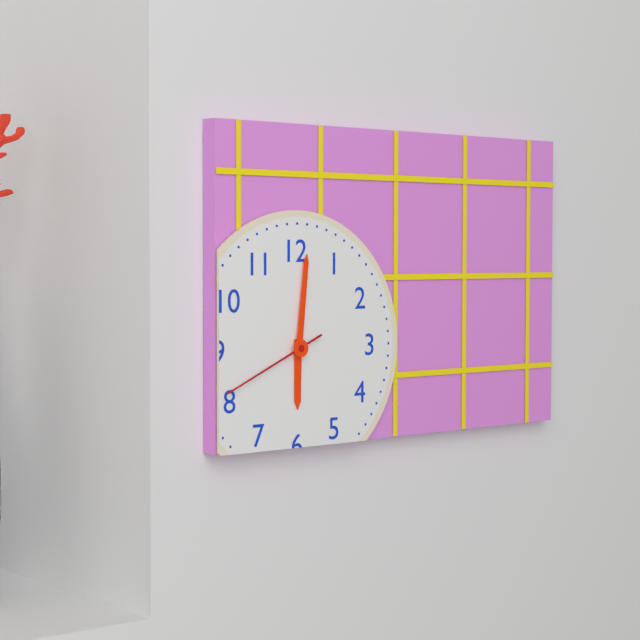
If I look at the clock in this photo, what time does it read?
6:01:41
